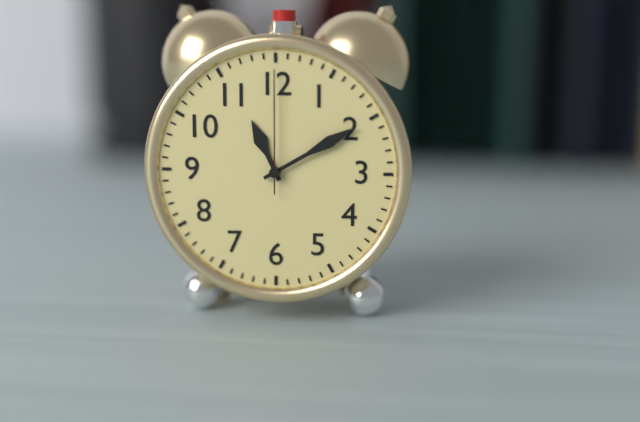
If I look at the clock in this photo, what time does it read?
11:10:00
